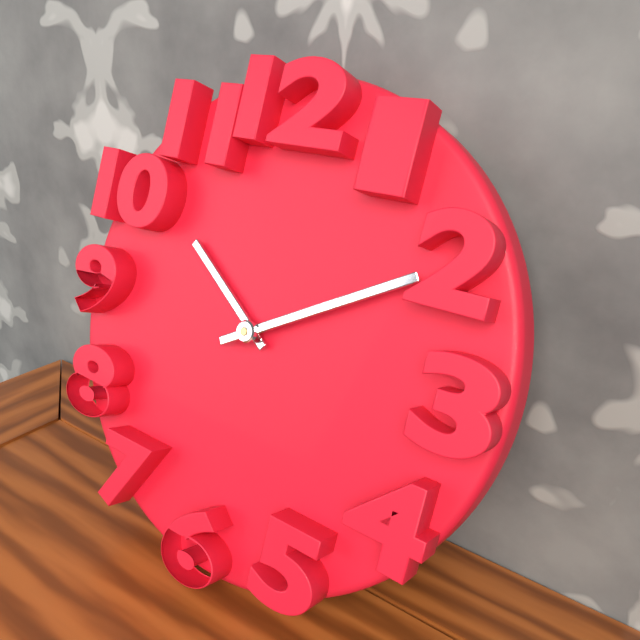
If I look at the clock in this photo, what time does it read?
10:10
